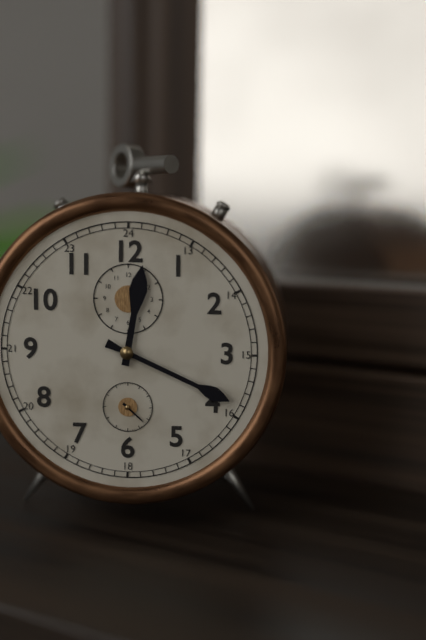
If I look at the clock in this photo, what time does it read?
12:19
